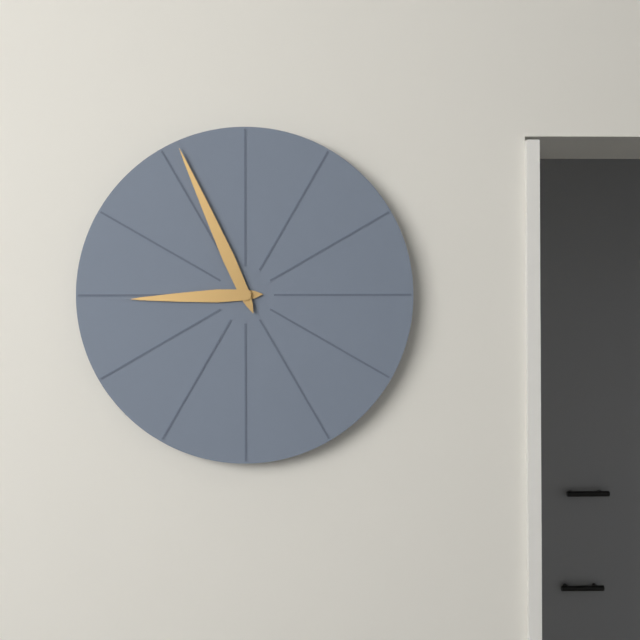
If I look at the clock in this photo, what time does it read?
8:56
